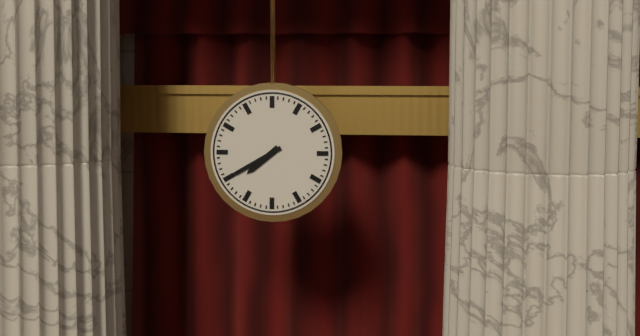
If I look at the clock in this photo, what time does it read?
7:40
